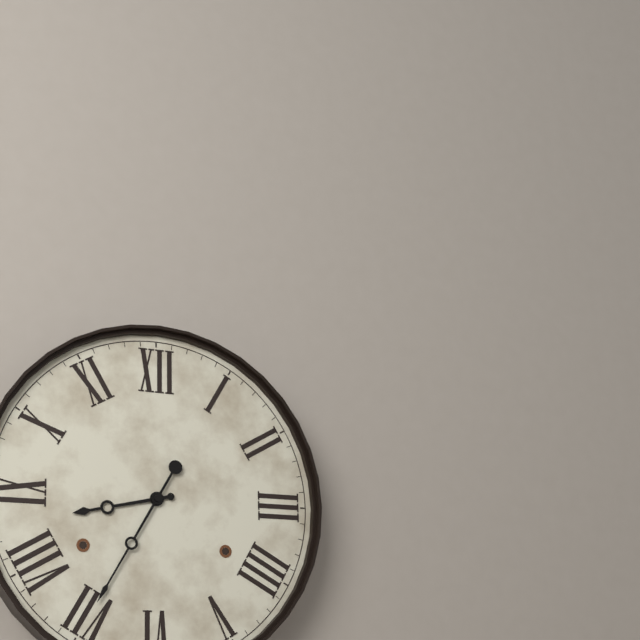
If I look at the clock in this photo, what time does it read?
8:35
